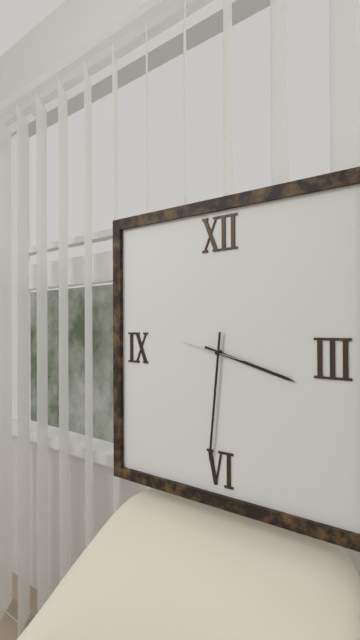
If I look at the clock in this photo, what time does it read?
3:31
